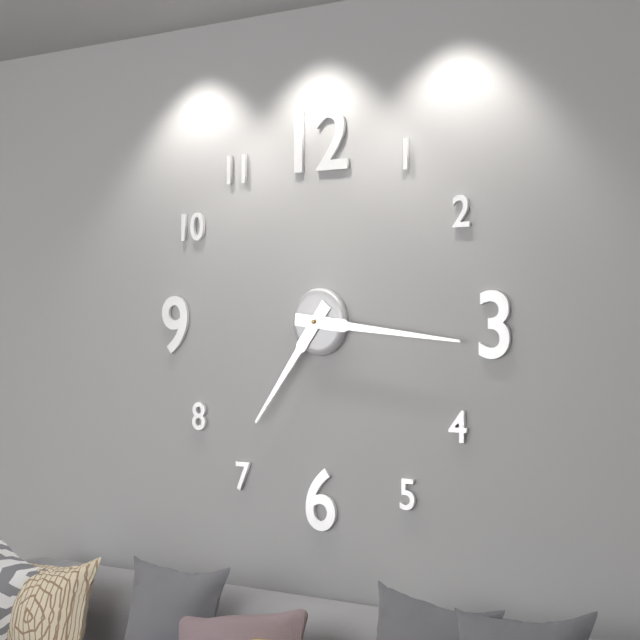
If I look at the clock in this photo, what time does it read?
7:16
